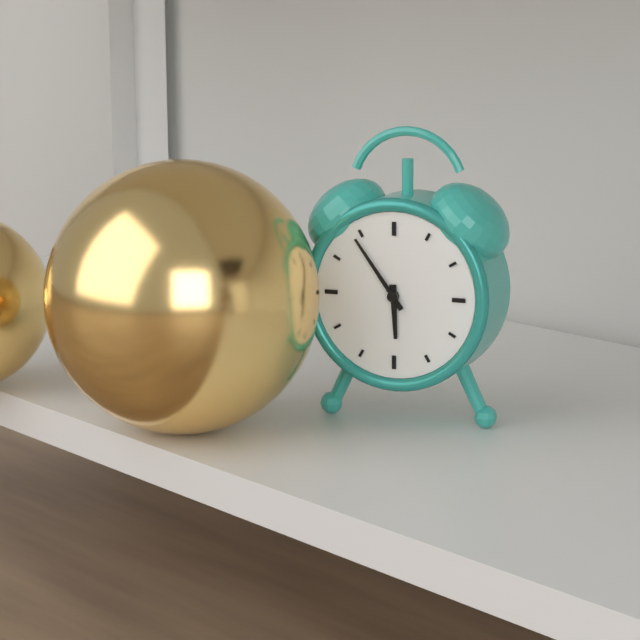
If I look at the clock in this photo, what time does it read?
5:54
